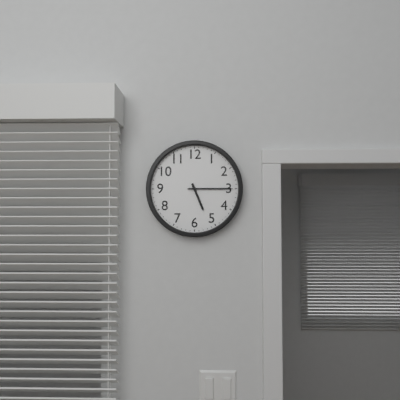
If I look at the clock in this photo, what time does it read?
5:15
